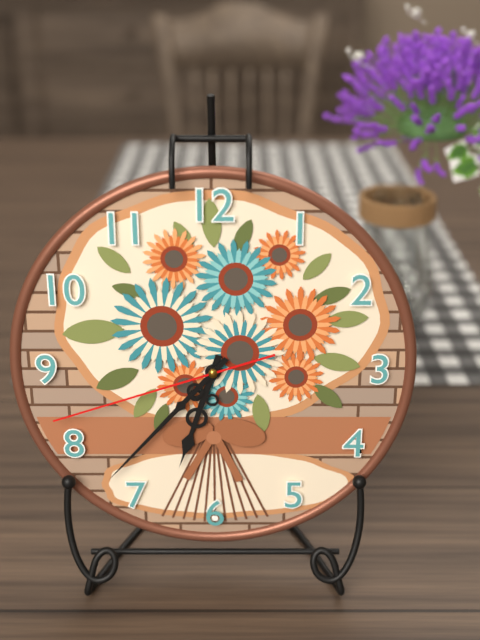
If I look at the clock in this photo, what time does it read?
6:37:42
